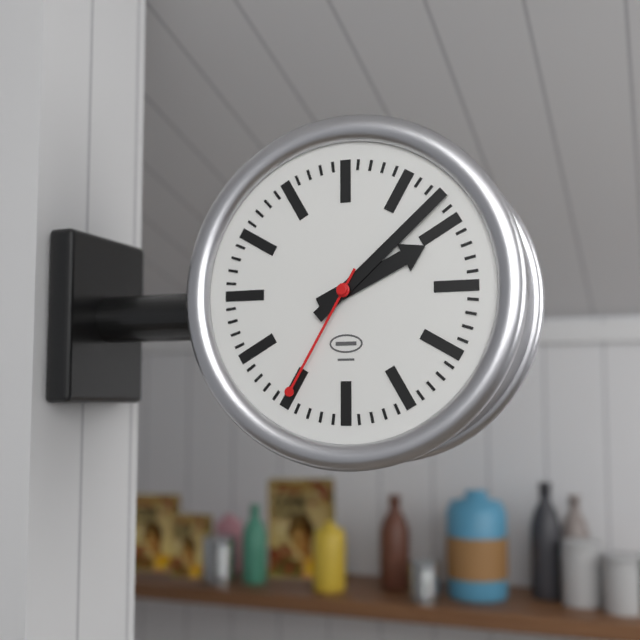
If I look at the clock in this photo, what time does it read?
2:08:35
